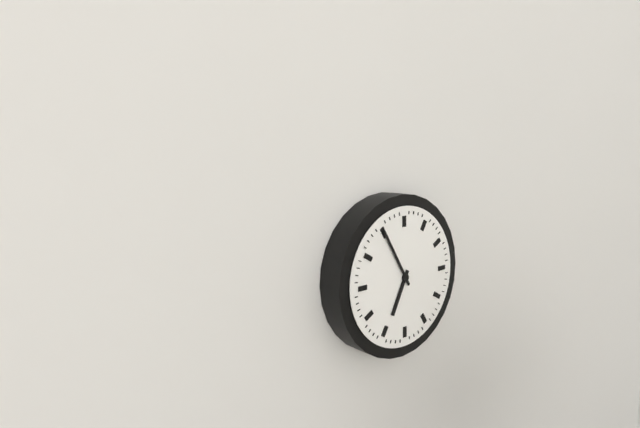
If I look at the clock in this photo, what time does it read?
6:55
